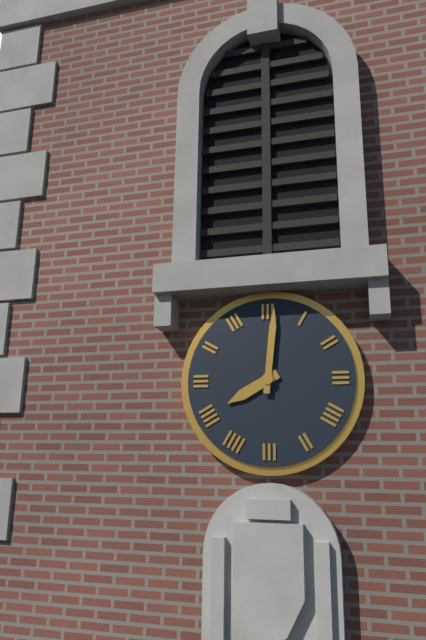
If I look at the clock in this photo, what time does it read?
8:01
